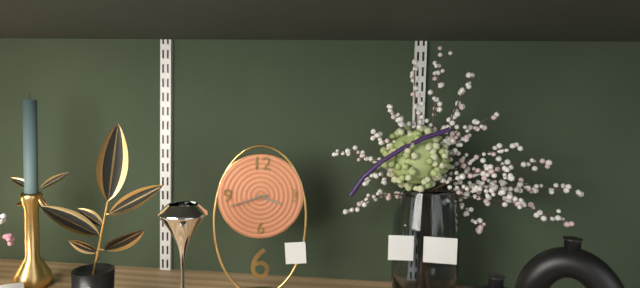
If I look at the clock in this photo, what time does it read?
3:42
